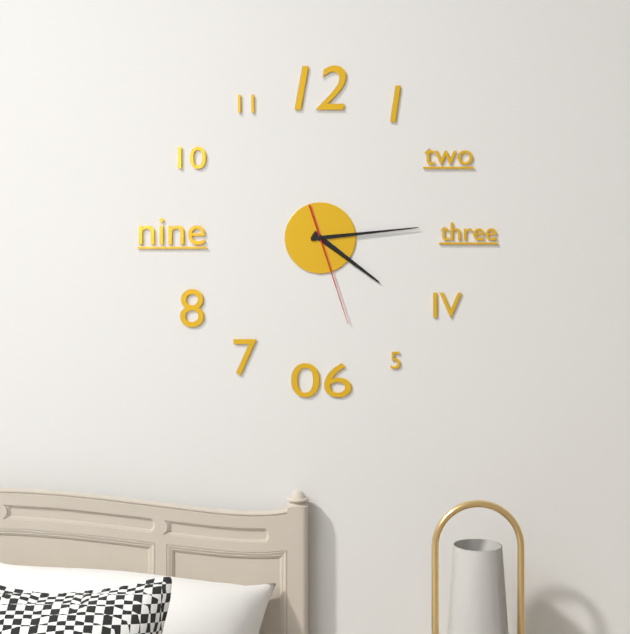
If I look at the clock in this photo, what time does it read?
4:14:27
